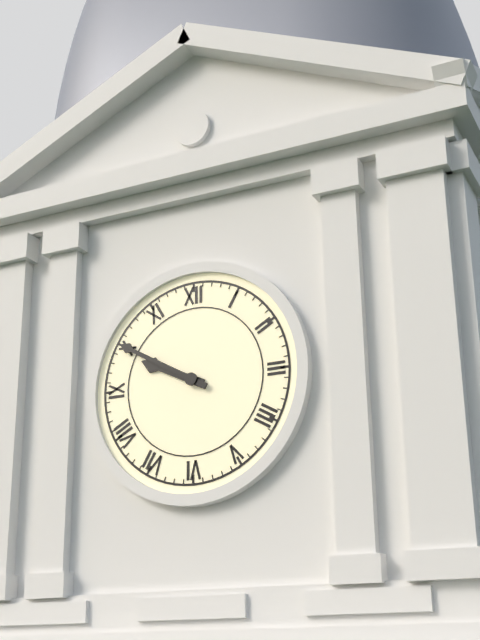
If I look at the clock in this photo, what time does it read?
9:50
